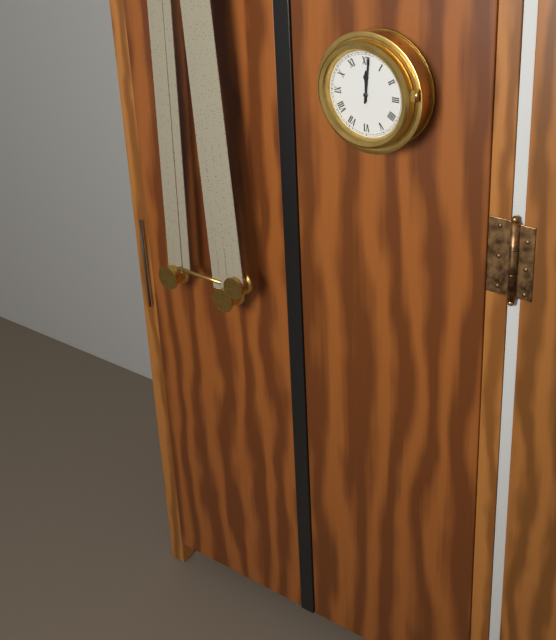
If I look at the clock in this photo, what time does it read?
12:01
